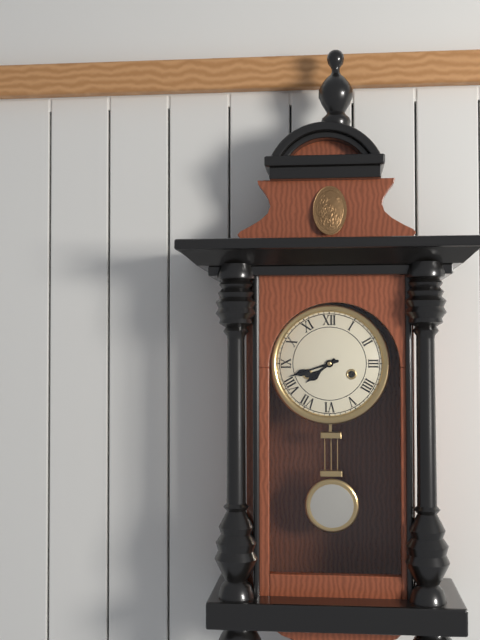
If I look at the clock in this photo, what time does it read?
7:42
